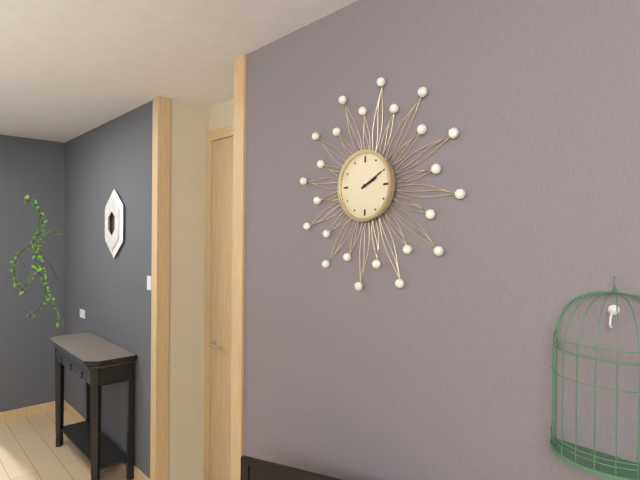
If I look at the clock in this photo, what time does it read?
2:10
